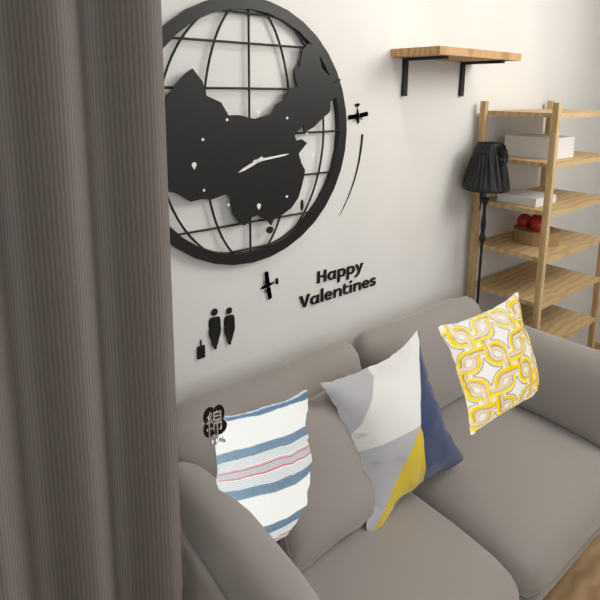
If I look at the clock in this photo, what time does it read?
8:14
